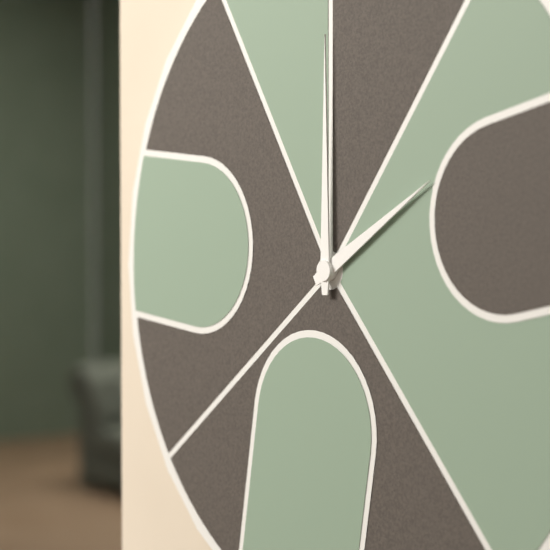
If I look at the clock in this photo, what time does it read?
2:00
